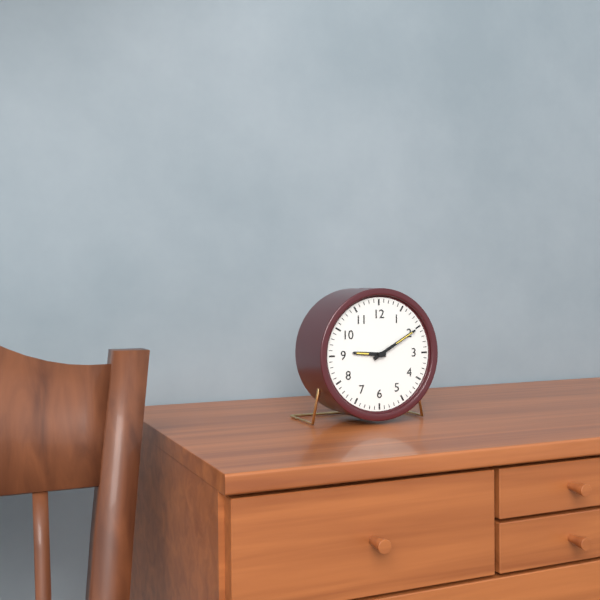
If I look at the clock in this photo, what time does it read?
9:10
